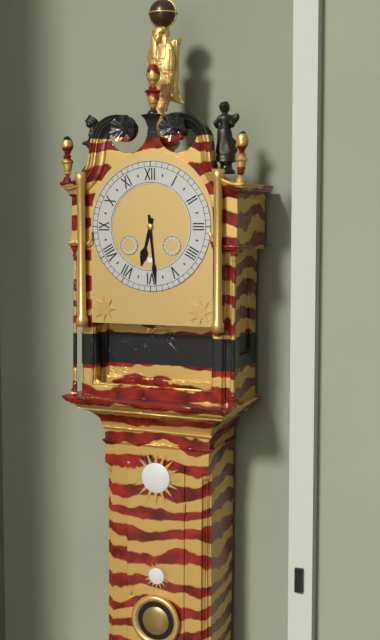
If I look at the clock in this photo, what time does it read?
6:29
